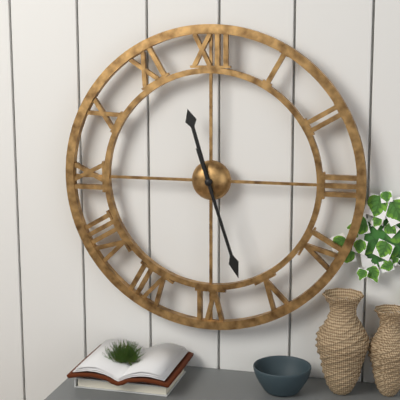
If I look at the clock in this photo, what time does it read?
11:27
